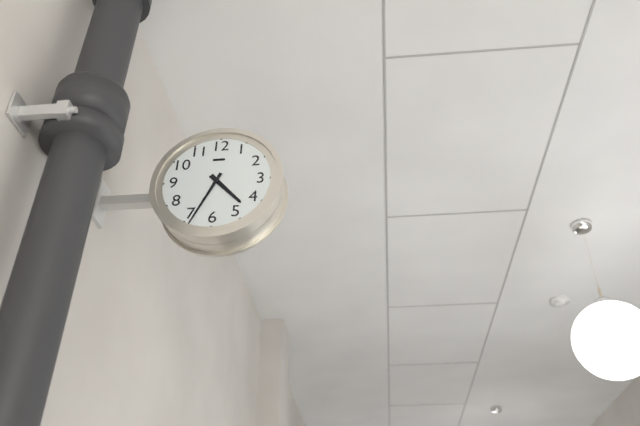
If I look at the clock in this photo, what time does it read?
4:34
